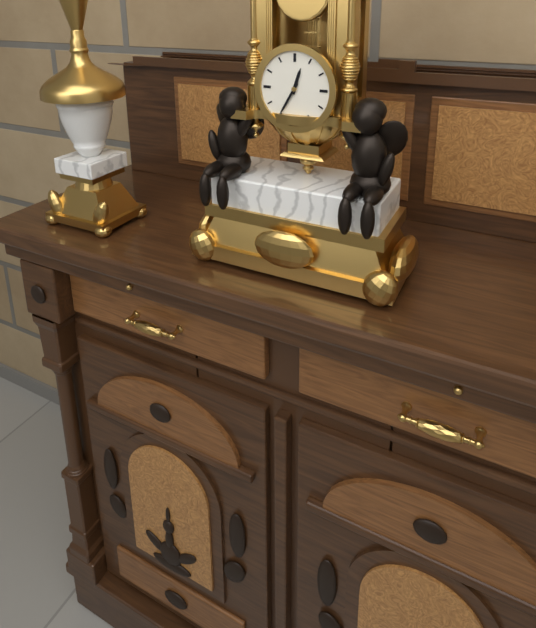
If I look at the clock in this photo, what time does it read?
12:35
